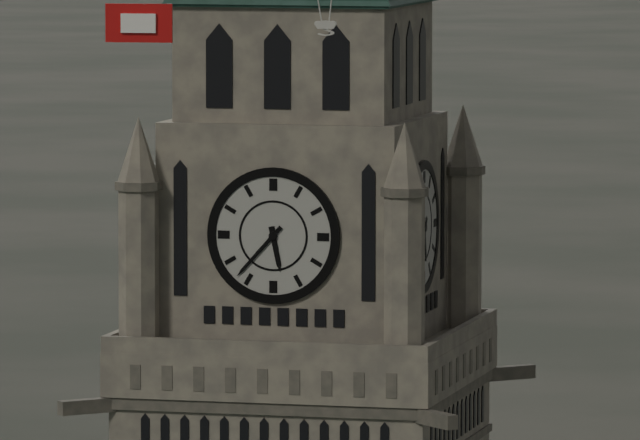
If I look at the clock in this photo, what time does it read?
5:37
